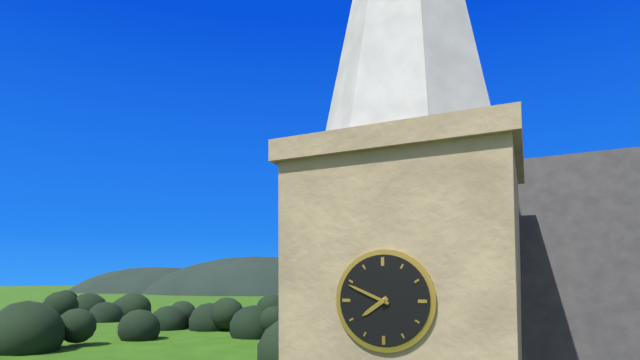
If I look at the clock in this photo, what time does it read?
7:49
